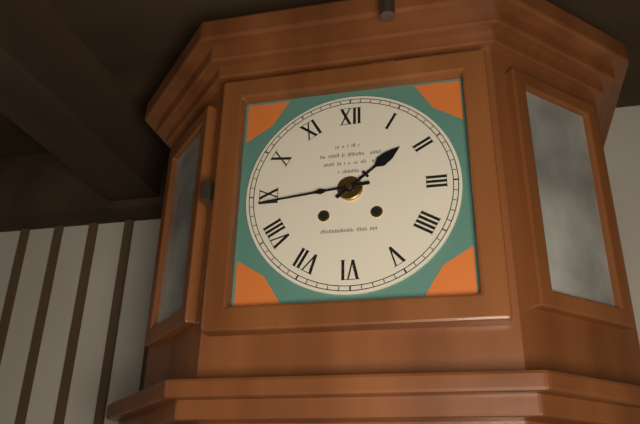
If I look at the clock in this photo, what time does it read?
1:44
